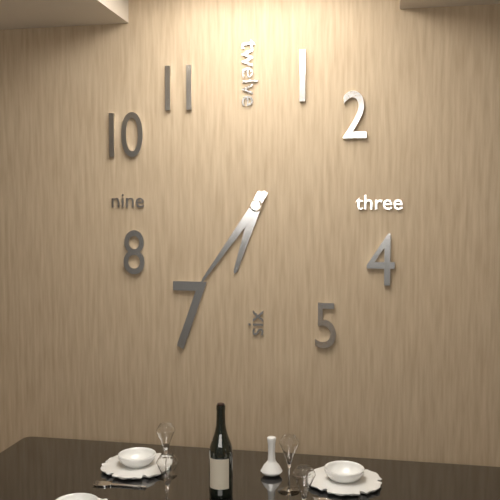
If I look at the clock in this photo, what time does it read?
6:36
